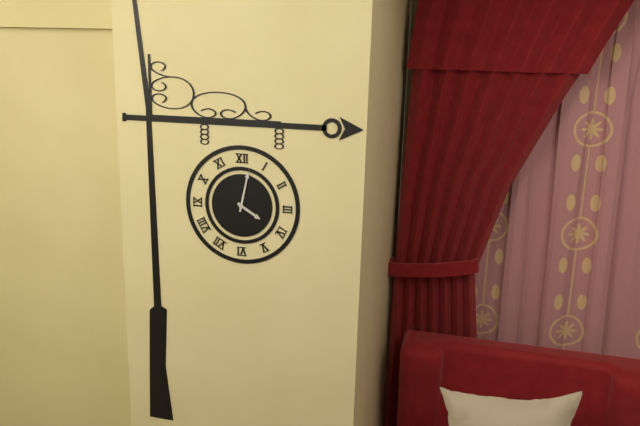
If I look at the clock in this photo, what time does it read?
4:02
